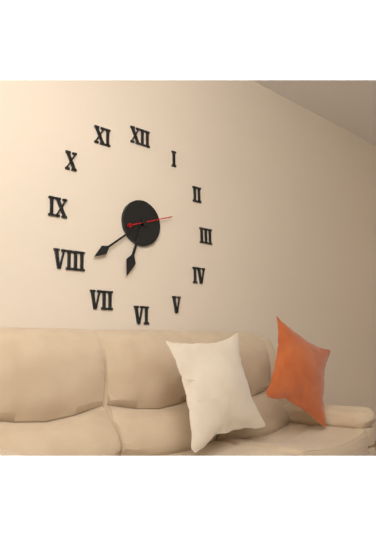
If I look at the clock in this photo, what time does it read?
6:39
